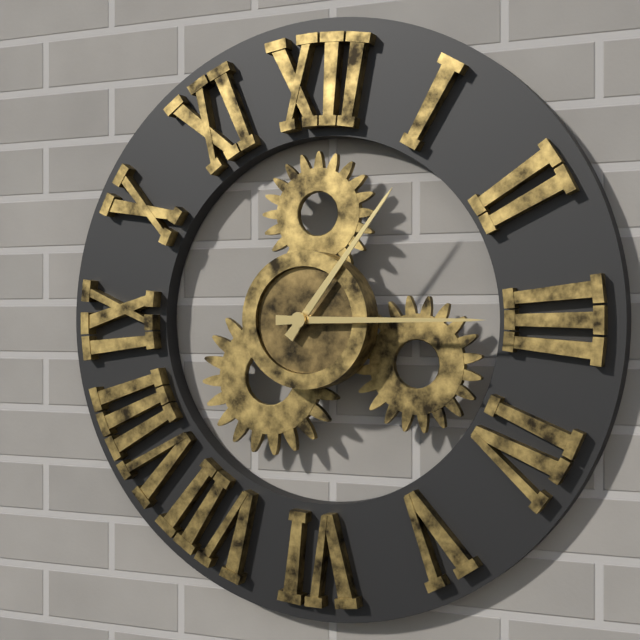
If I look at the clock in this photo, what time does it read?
1:15
